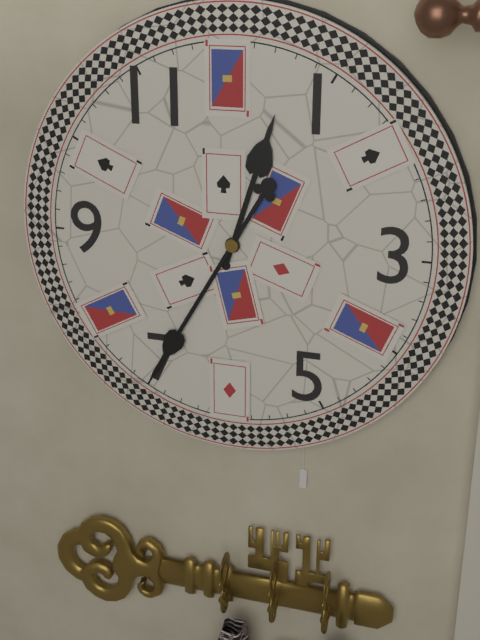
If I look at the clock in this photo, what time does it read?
12:35
